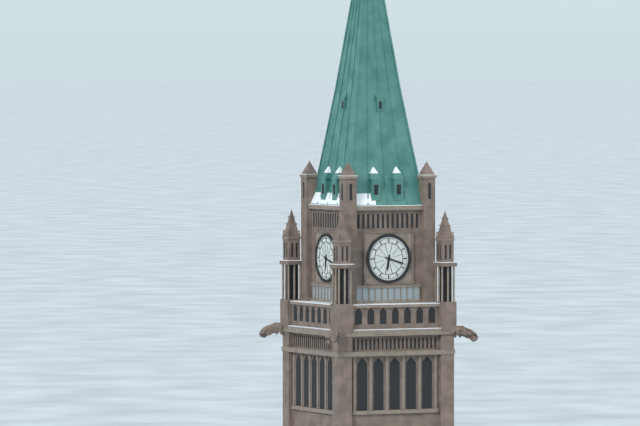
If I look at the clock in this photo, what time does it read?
6:18
